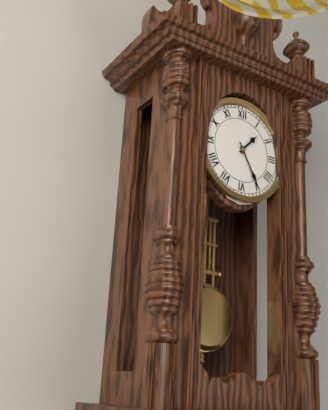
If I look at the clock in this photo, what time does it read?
1:25
